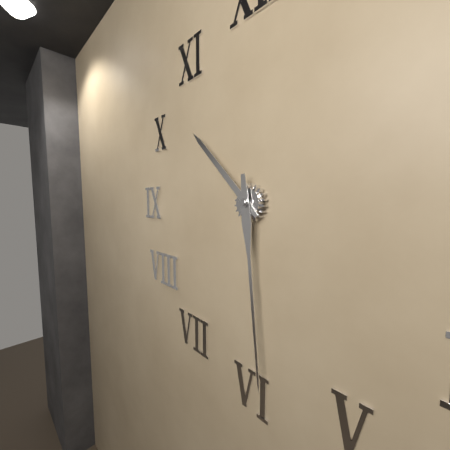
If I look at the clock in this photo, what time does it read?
10:29
